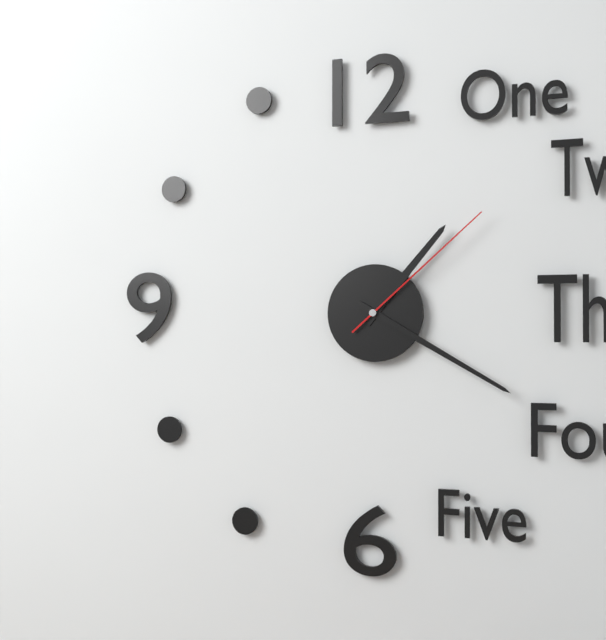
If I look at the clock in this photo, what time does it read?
1:20:08
